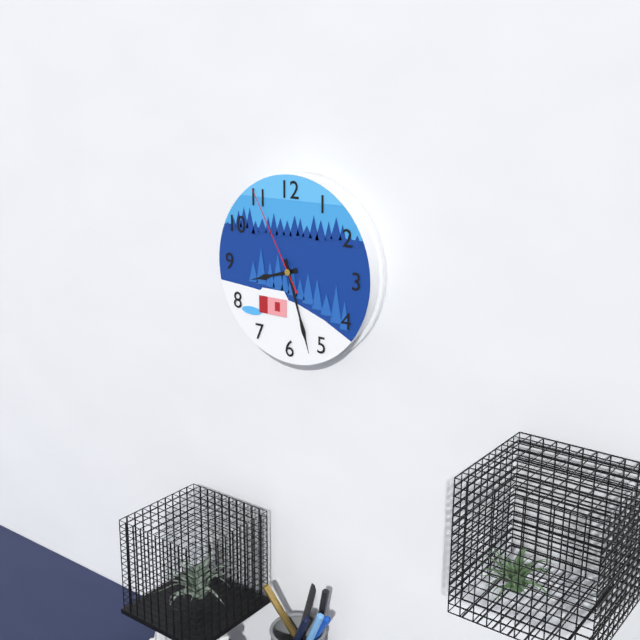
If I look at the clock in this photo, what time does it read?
8:27:55
